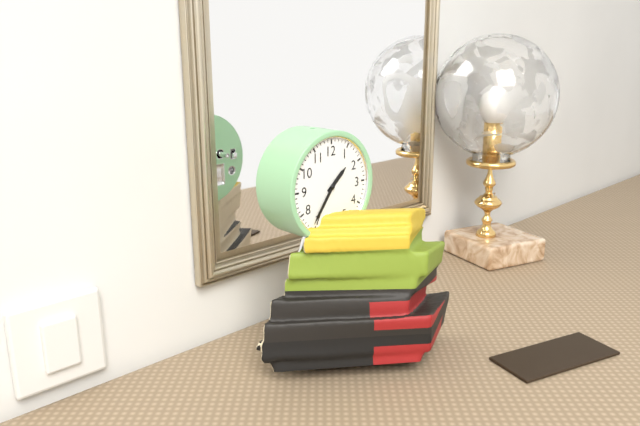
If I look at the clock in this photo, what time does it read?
1:36
